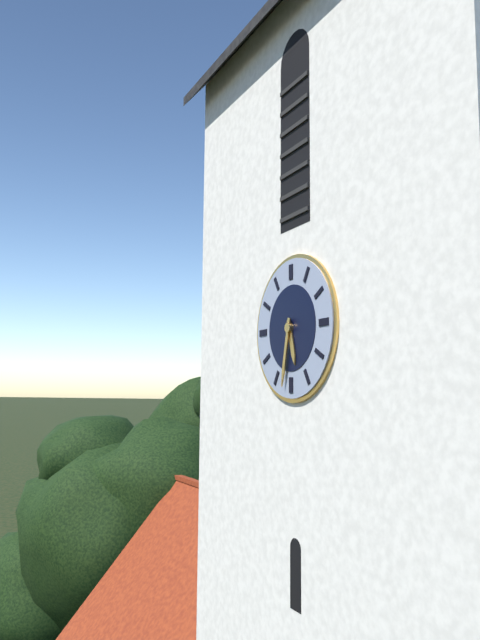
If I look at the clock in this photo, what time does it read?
5:32
